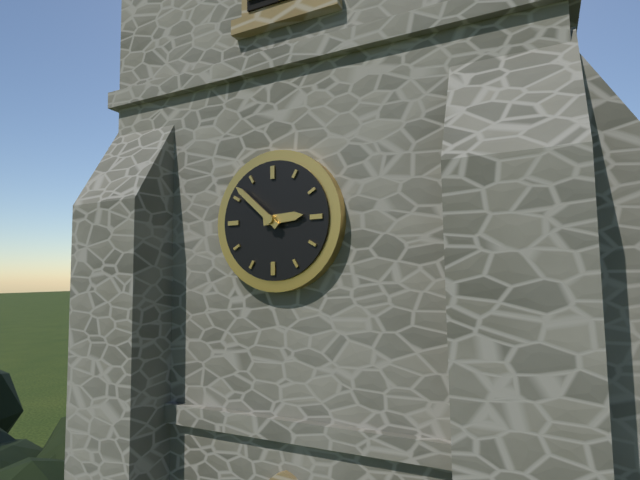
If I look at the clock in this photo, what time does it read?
2:52
